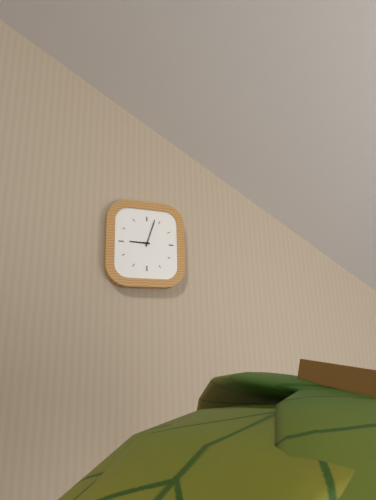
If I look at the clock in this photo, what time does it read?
9:03
